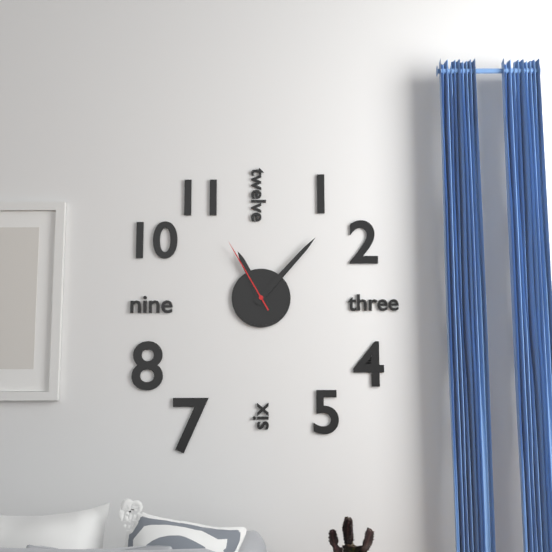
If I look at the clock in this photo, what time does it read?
11:07:55
